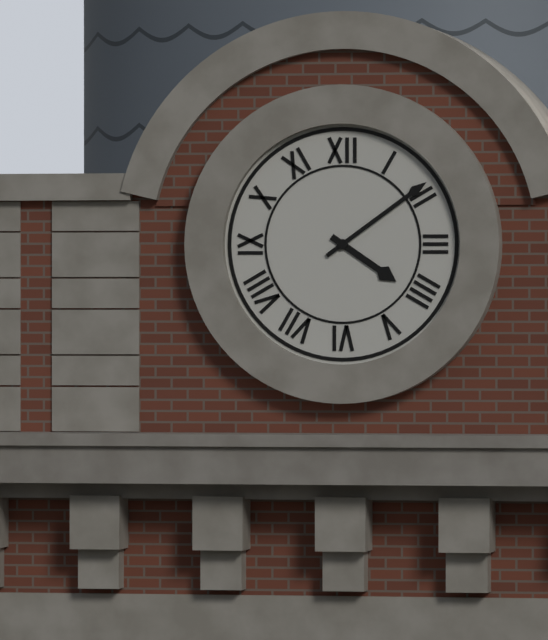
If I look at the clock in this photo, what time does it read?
4:09
